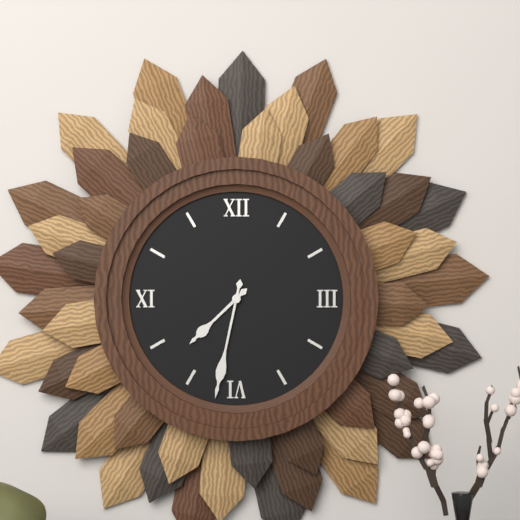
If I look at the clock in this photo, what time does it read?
7:32
